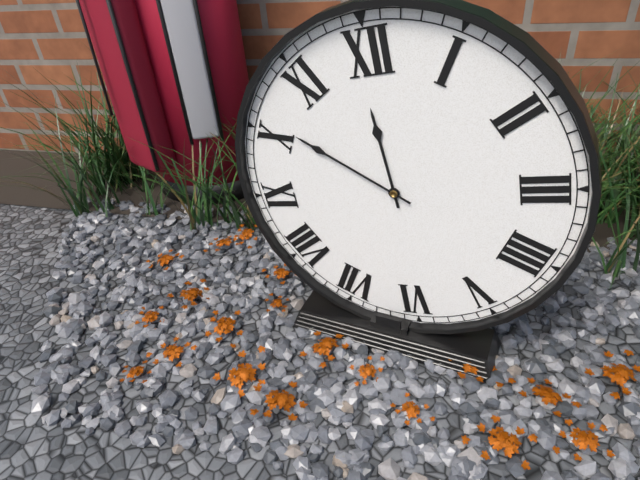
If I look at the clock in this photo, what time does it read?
11:51
